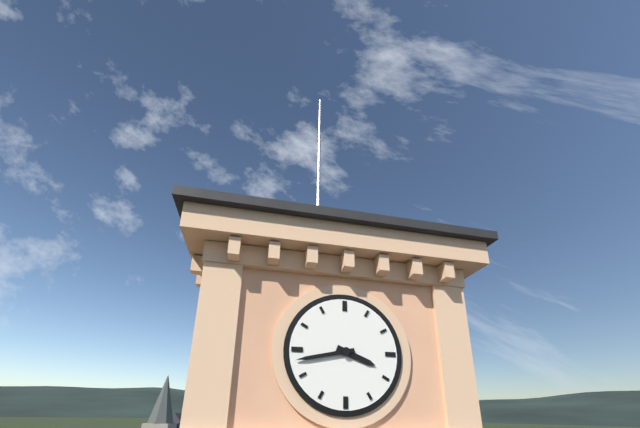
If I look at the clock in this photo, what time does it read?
3:43
